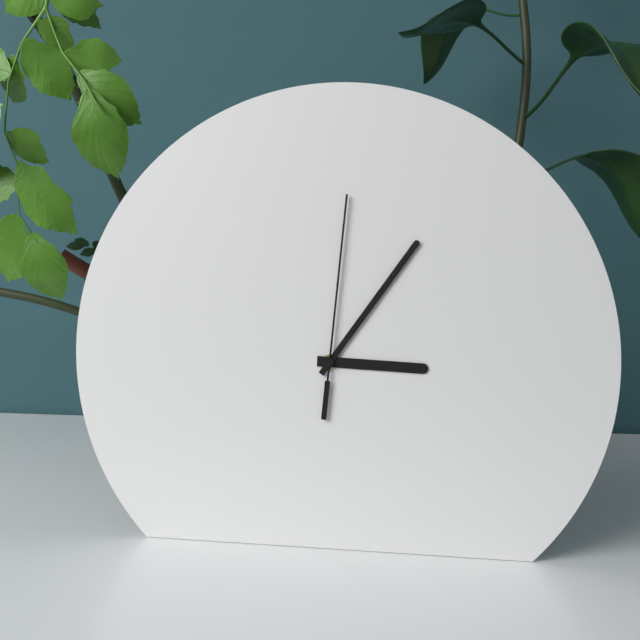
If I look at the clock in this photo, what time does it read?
3:06:01
